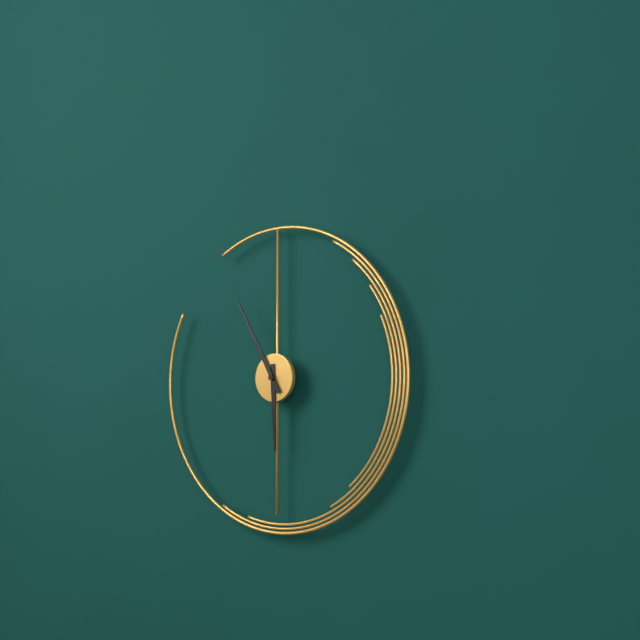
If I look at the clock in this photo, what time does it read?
5:55
